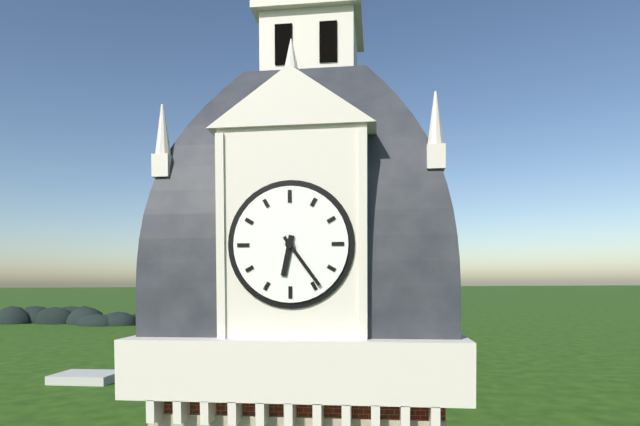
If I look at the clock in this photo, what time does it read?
6:24
